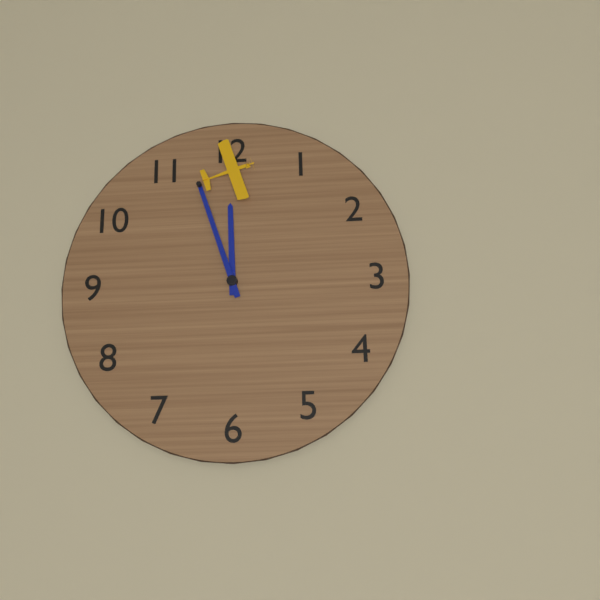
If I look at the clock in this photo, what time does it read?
11:57
